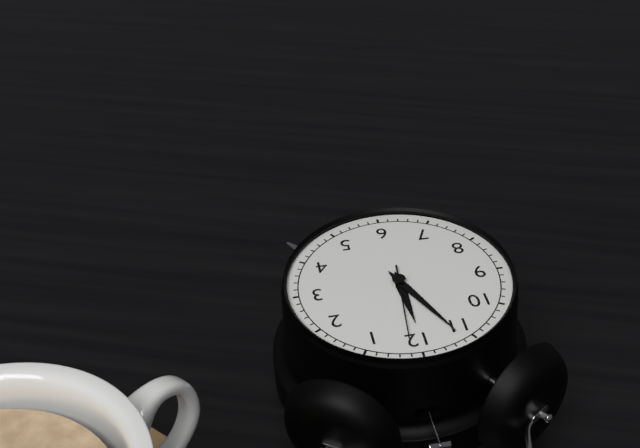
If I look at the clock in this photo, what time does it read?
11:56:01
